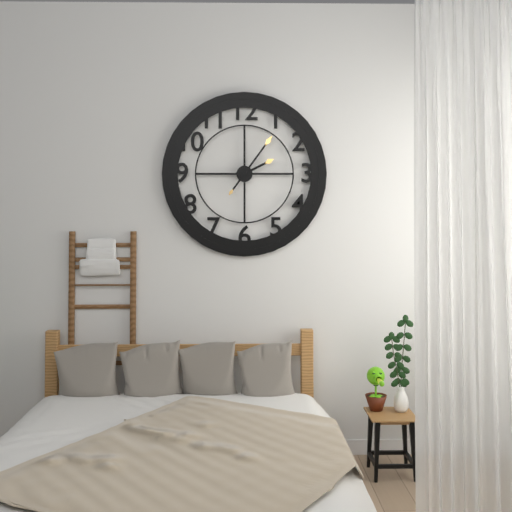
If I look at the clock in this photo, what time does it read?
2:06
